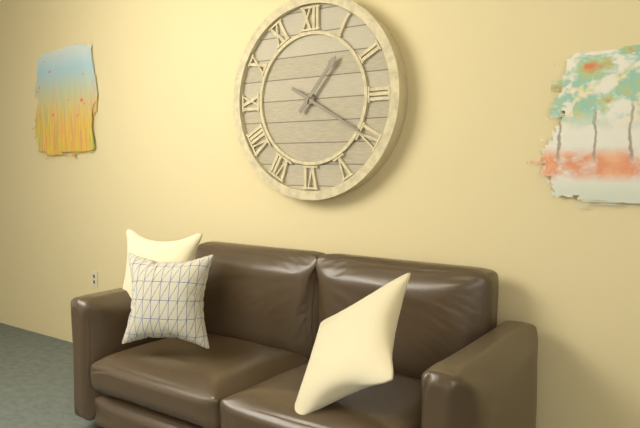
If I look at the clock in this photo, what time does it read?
1:20
